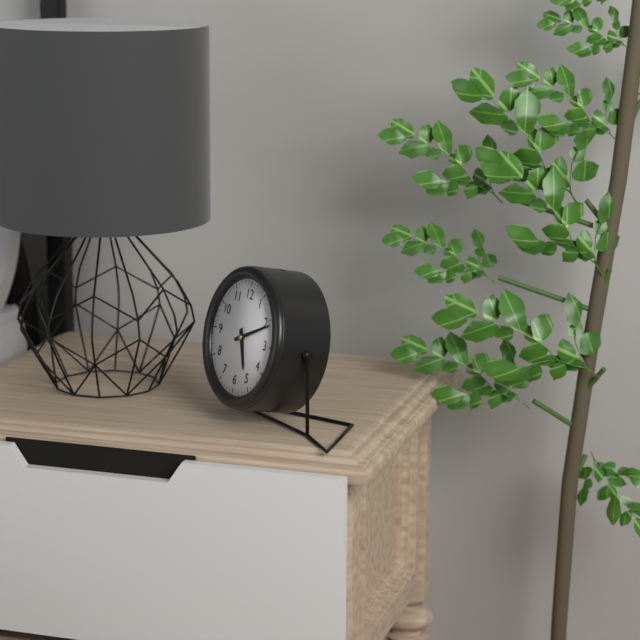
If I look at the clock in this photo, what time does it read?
5:11
